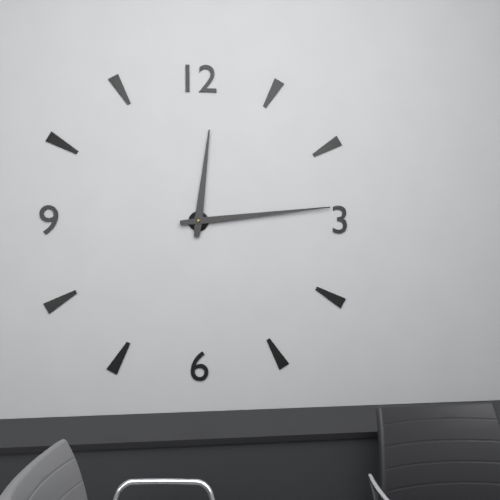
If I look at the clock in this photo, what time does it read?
12:14
